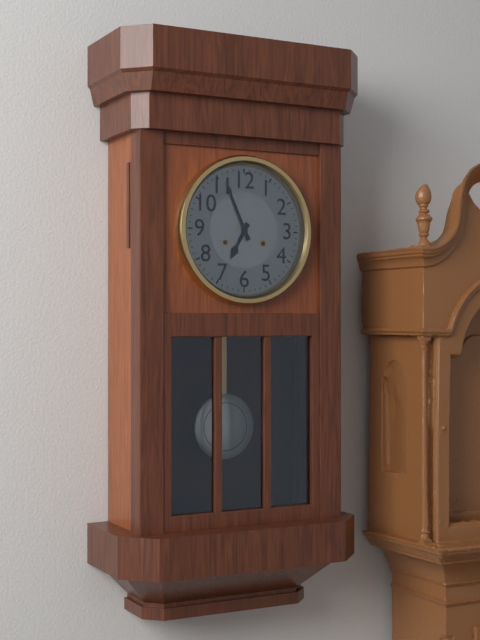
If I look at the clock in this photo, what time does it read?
6:56
